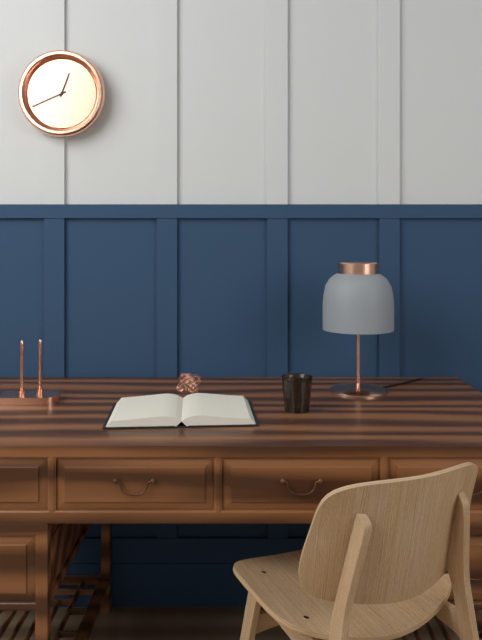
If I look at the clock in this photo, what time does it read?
12:41
